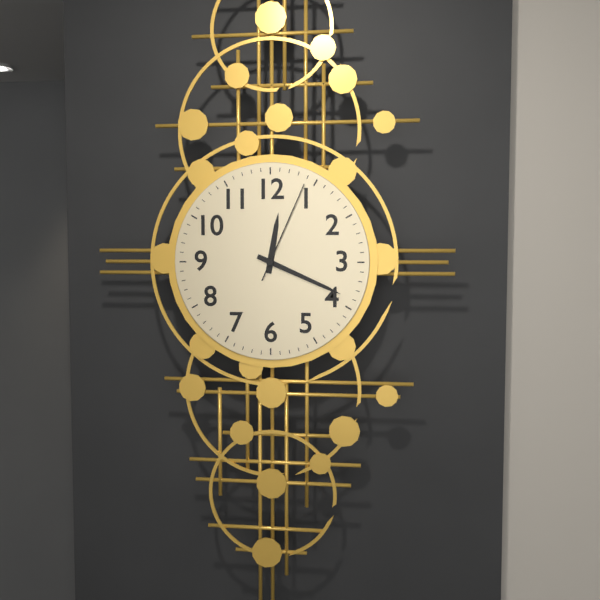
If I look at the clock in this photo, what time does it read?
12:19:04
